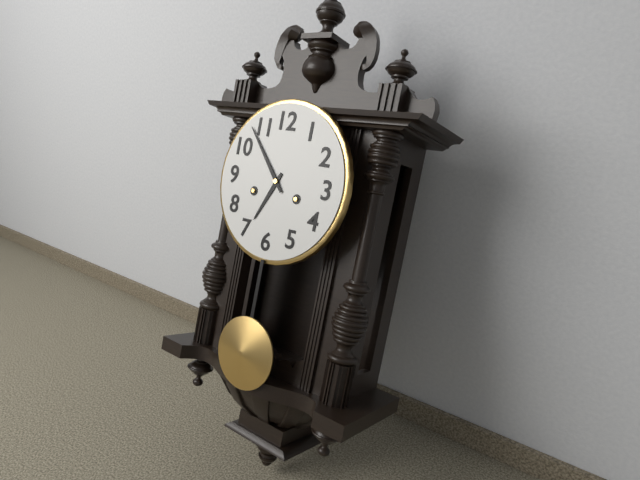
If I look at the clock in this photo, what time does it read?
6:53
